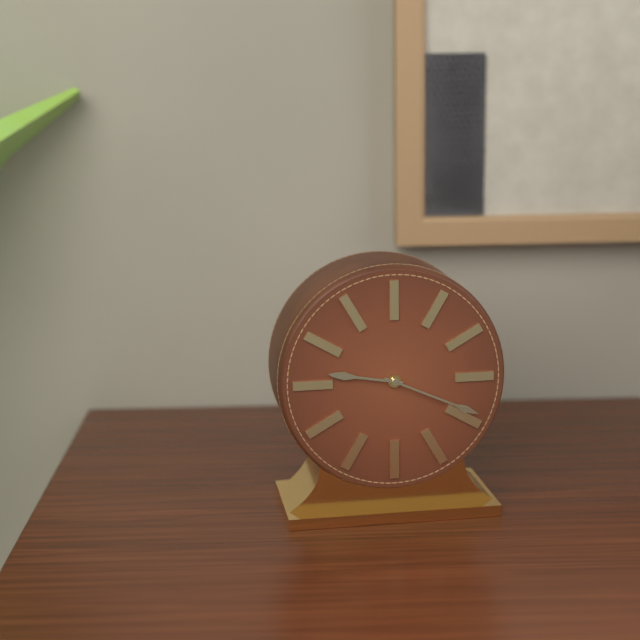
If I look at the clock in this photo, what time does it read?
9:19
